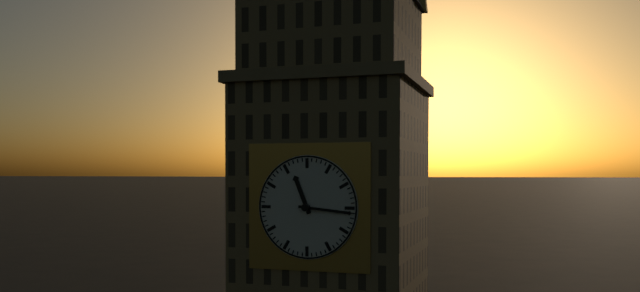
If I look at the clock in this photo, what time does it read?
11:16
